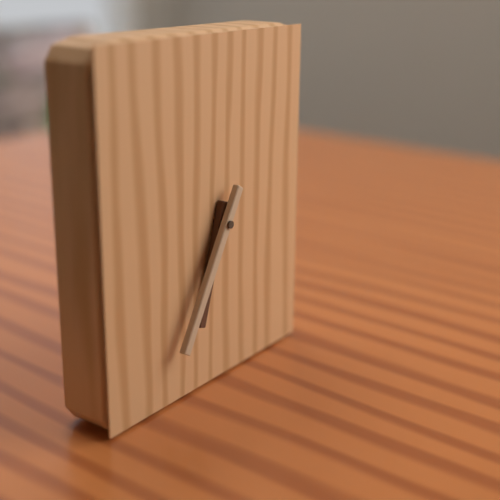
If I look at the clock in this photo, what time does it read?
6:35
